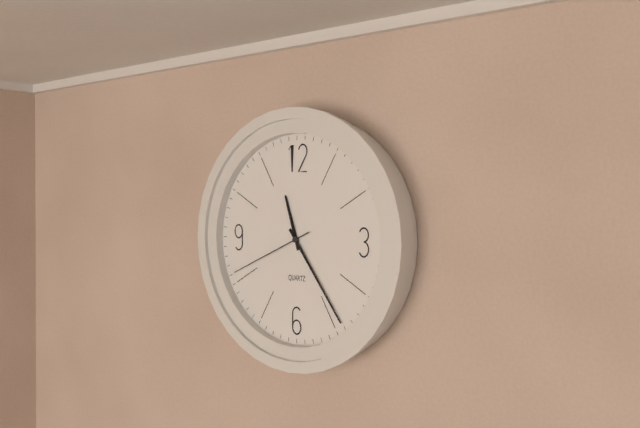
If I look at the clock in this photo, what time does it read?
11:24:41
